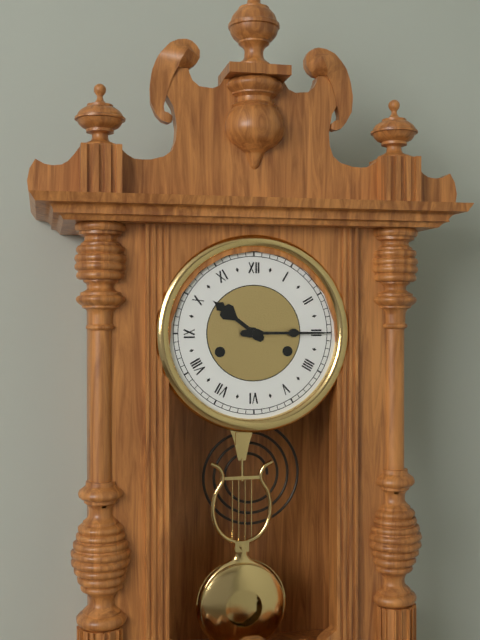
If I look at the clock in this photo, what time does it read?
10:15
